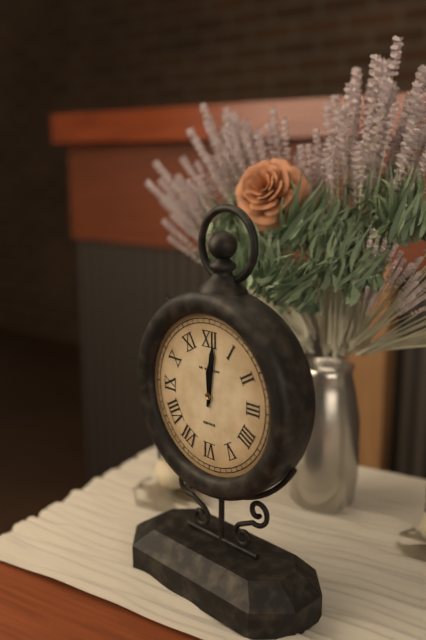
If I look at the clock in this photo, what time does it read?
12:01
